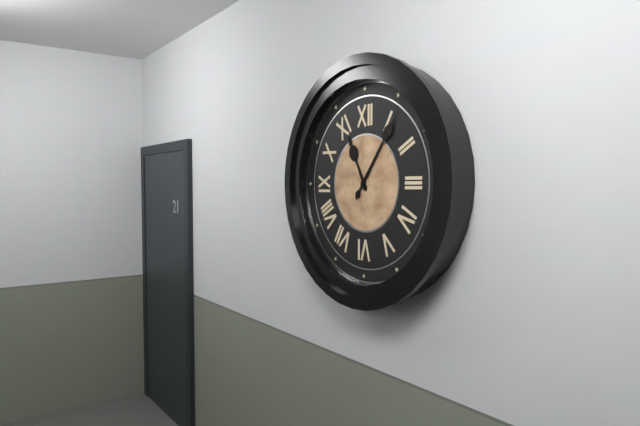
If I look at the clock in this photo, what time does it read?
11:06
